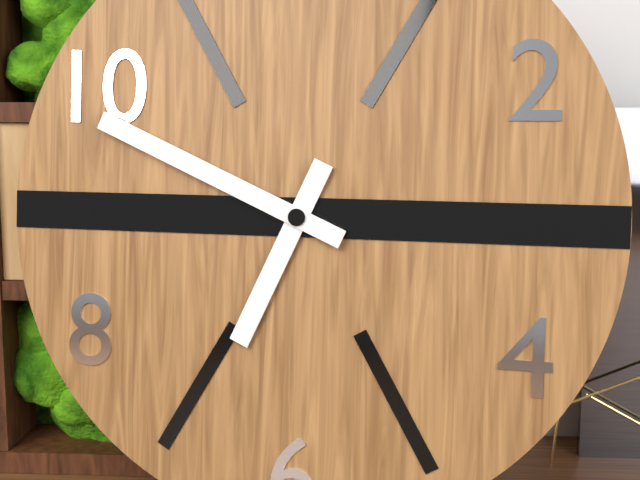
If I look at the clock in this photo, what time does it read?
6:49
